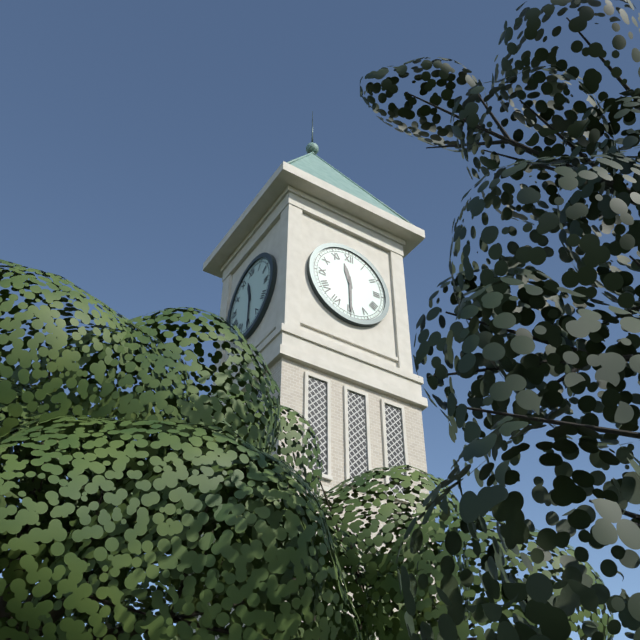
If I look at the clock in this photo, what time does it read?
11:30
